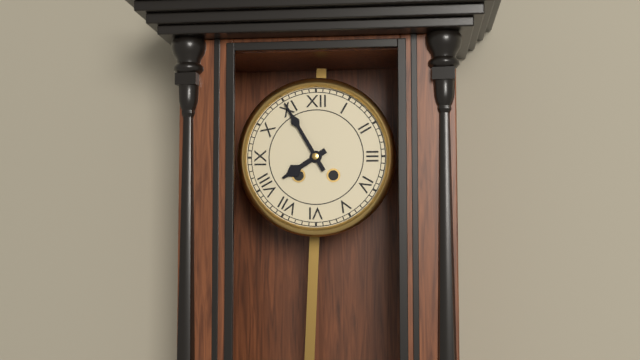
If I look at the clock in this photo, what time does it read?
7:55
